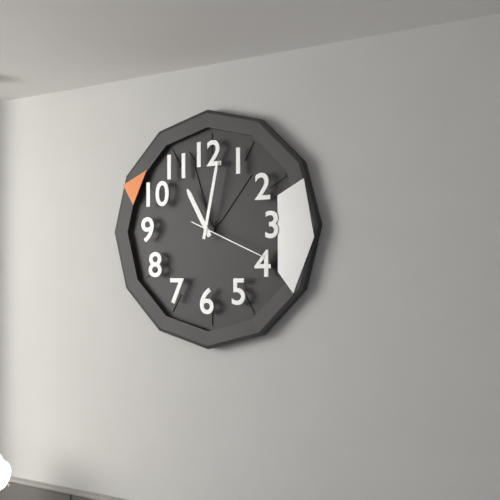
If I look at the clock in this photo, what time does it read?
11:02:19
